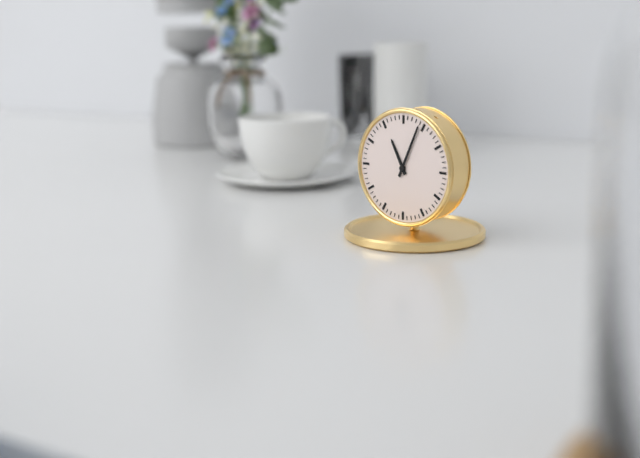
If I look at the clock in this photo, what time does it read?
11:04
